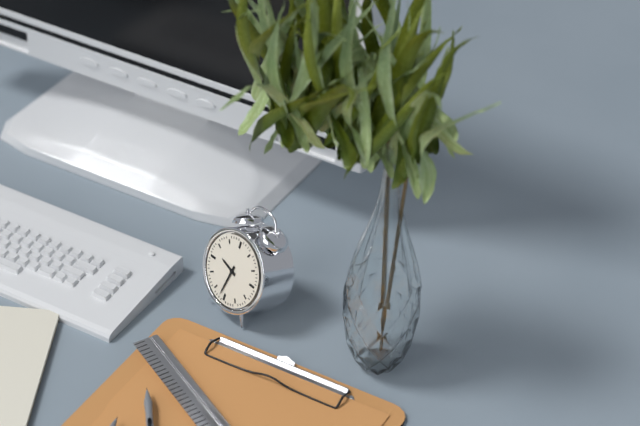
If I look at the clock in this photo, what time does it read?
9:32
